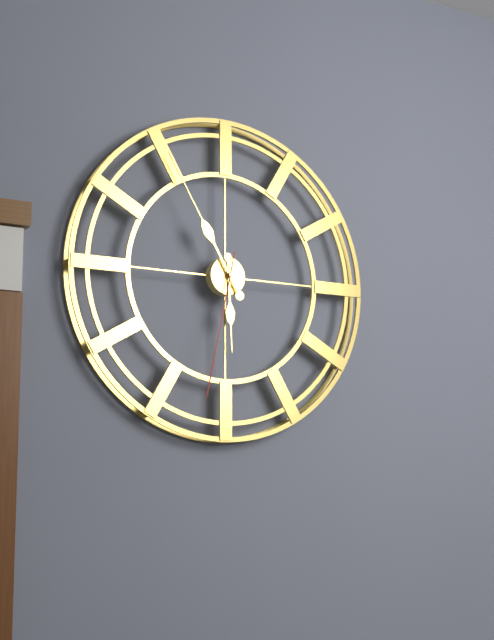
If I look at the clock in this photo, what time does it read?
5:55:32
